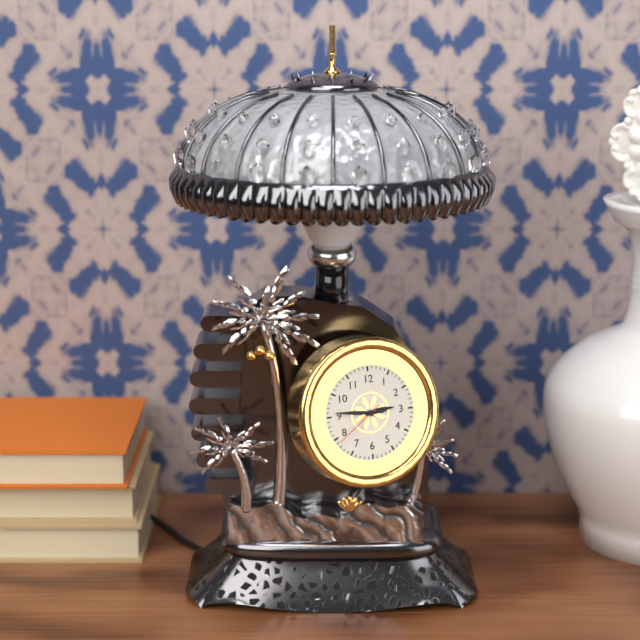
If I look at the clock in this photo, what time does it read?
2:46
